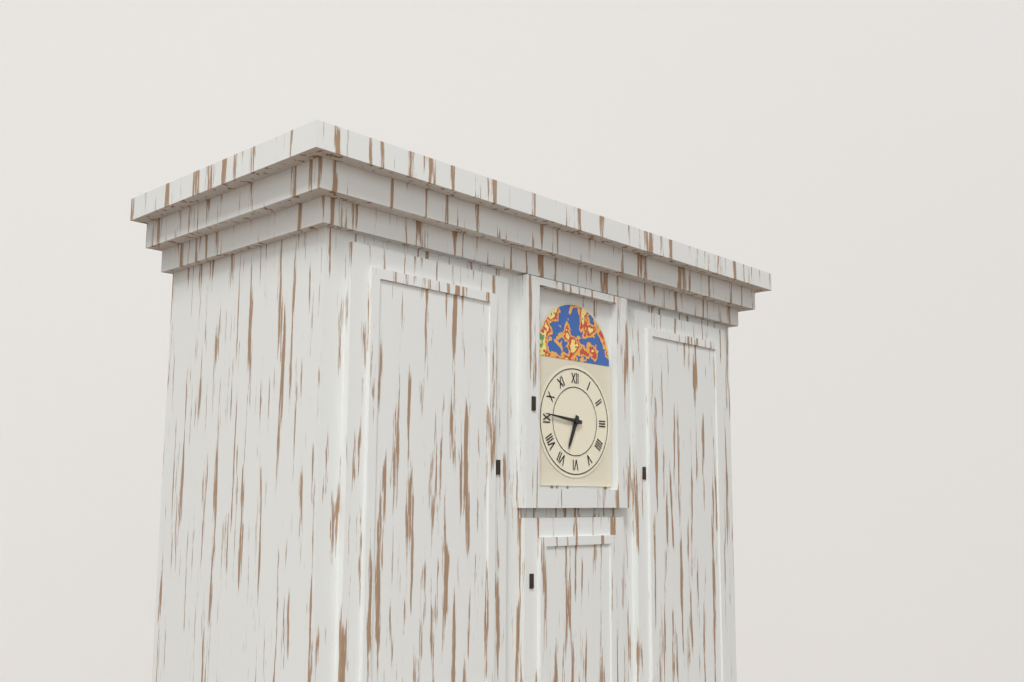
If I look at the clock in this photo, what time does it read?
6:46
